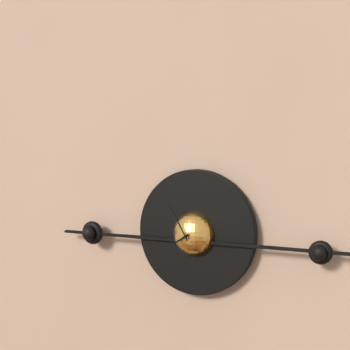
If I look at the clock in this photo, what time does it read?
7:55
